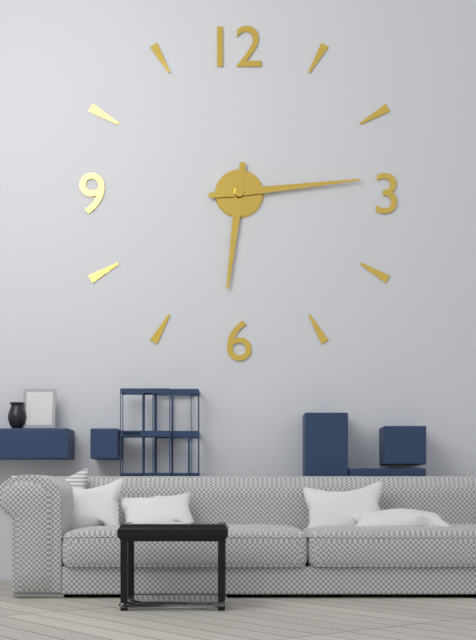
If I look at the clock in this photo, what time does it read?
6:14
